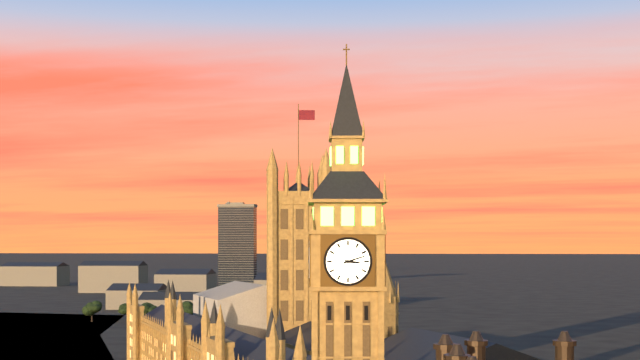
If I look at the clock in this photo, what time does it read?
3:12
